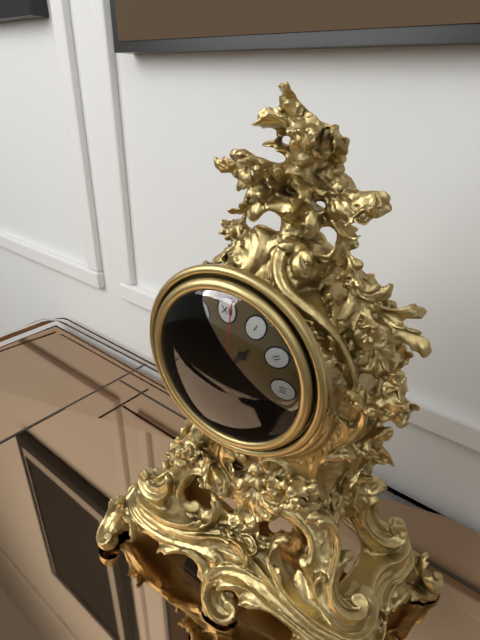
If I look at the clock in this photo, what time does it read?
1:21:01
